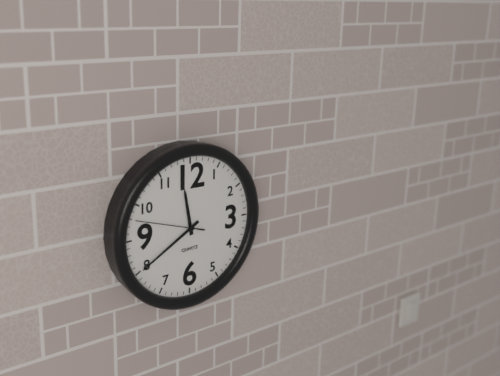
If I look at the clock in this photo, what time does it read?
11:40:48
